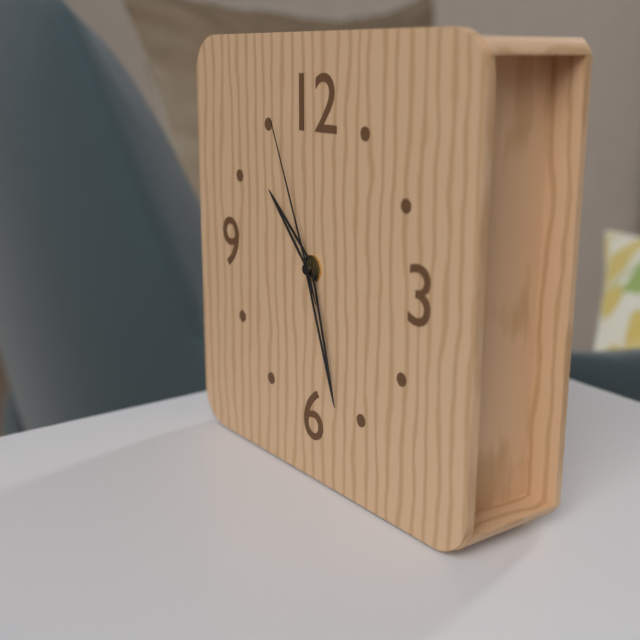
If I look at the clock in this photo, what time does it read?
10:27:56
